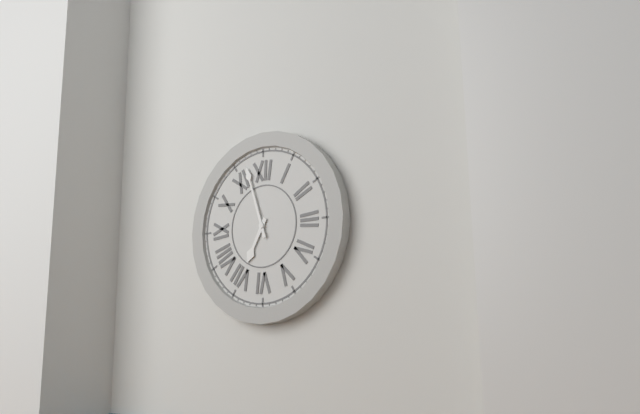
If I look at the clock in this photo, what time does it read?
6:57
